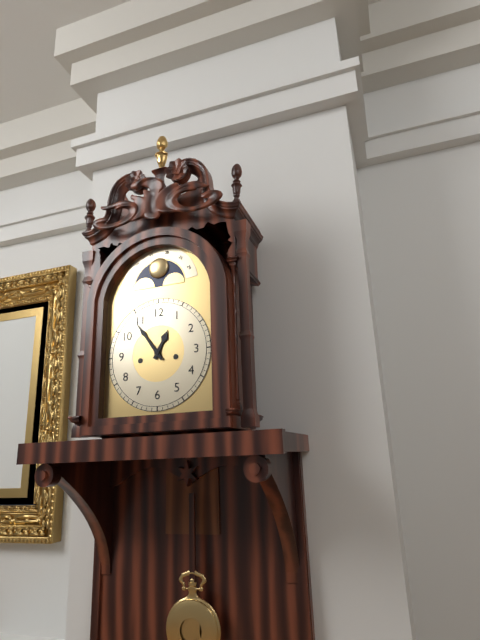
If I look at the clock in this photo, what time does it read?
12:54
